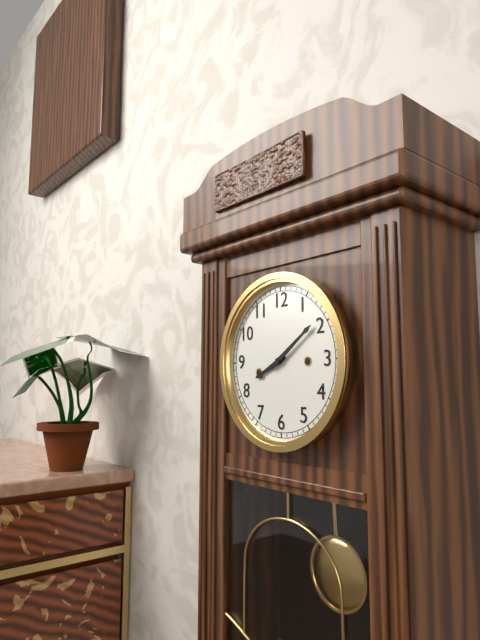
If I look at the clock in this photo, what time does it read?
8:09
